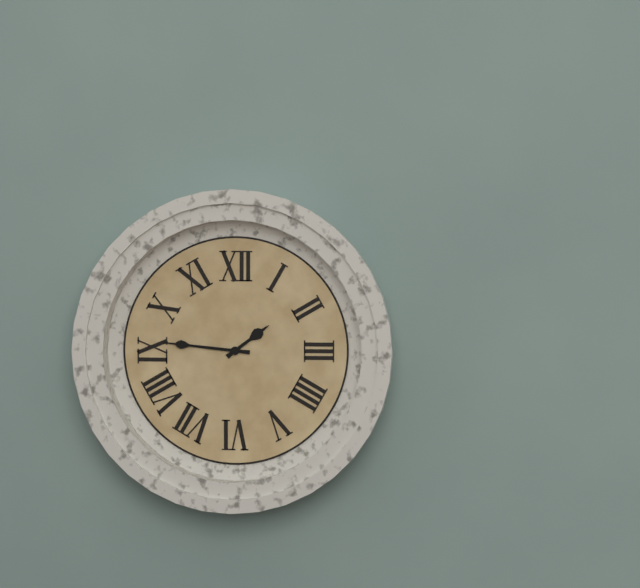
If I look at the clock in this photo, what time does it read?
1:46
